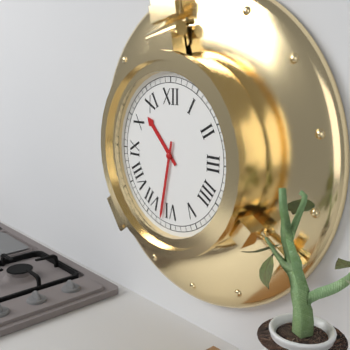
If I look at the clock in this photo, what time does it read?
10:32
